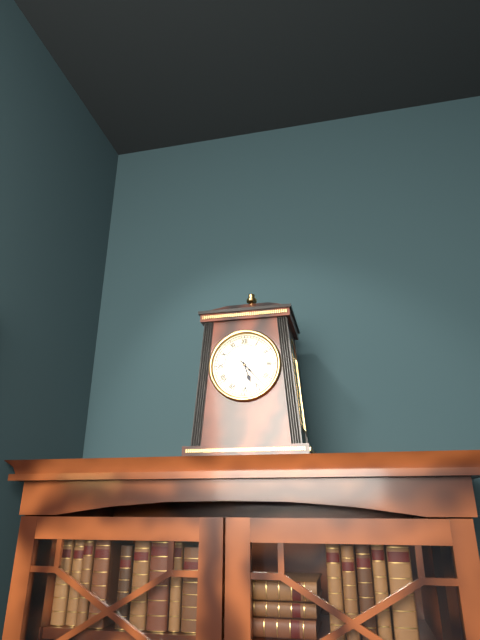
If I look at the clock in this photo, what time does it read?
5:23
